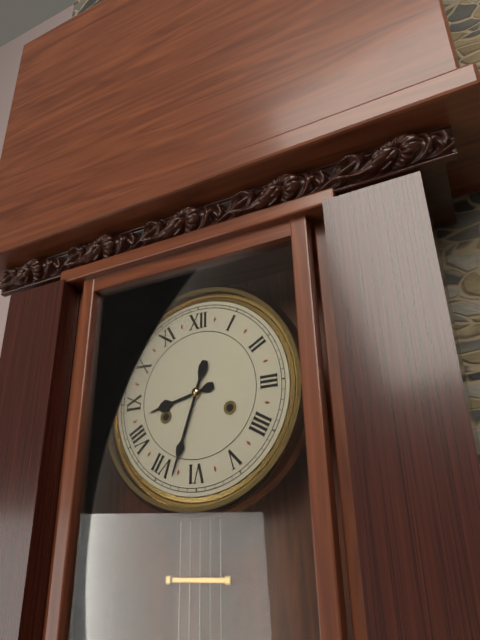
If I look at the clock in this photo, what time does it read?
8:33
